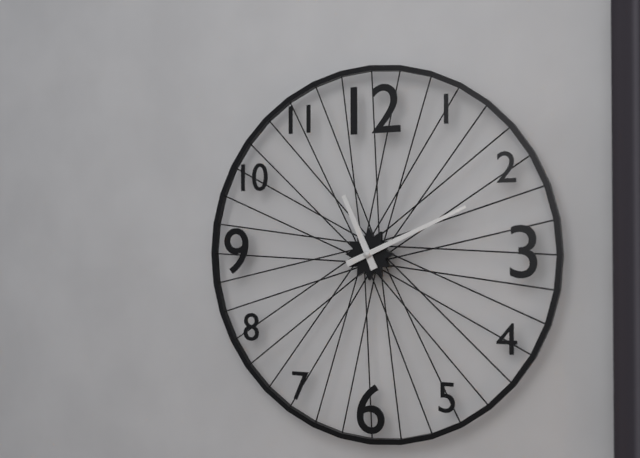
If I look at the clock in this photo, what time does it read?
11:11
